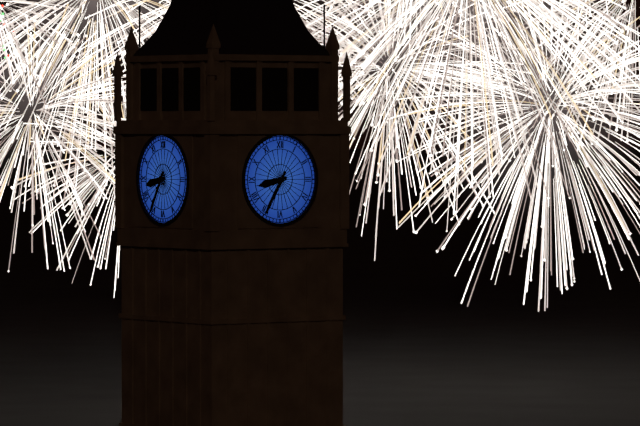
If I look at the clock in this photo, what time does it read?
8:35
